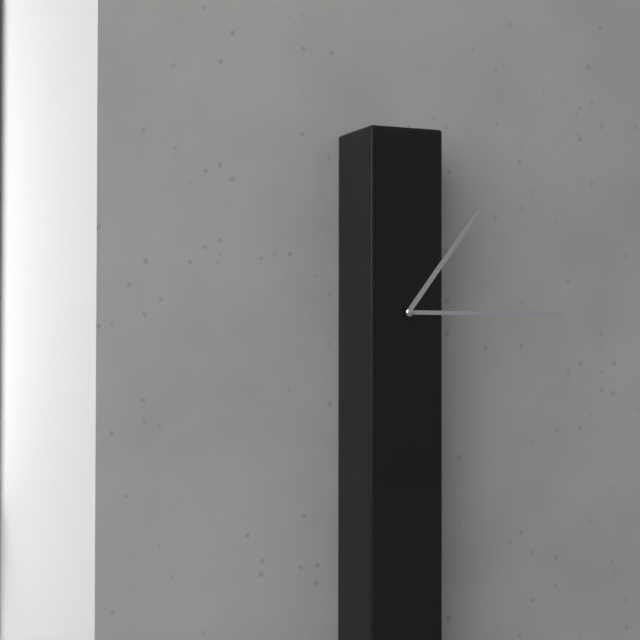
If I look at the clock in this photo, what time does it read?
1:15
